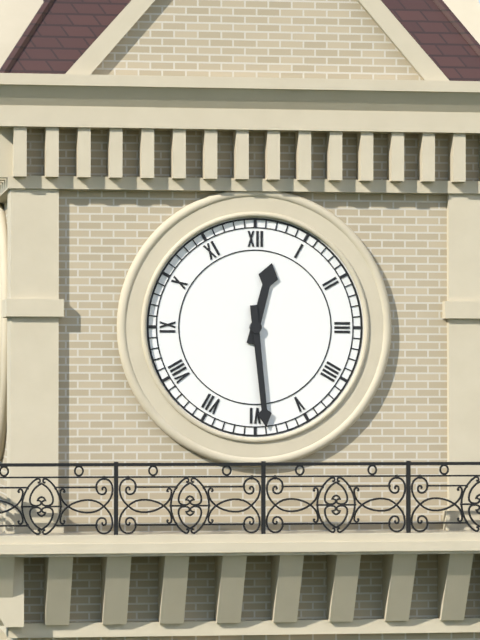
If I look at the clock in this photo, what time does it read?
12:29
